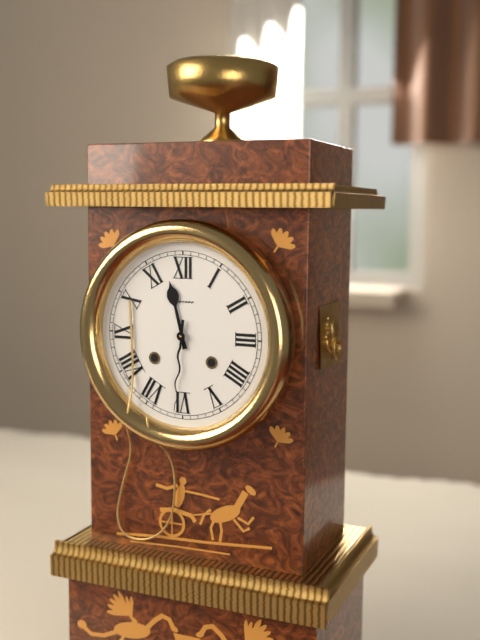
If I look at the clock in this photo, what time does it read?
11:31
